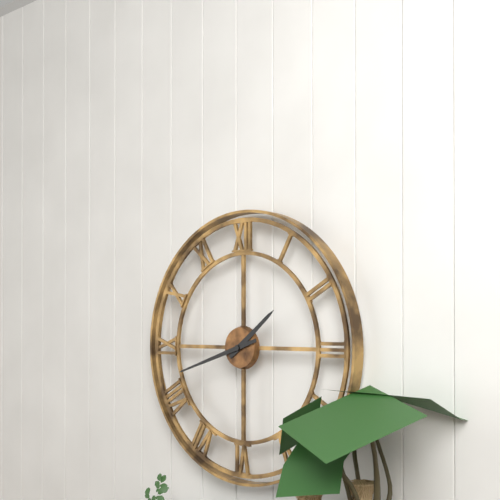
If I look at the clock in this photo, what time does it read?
1:42
